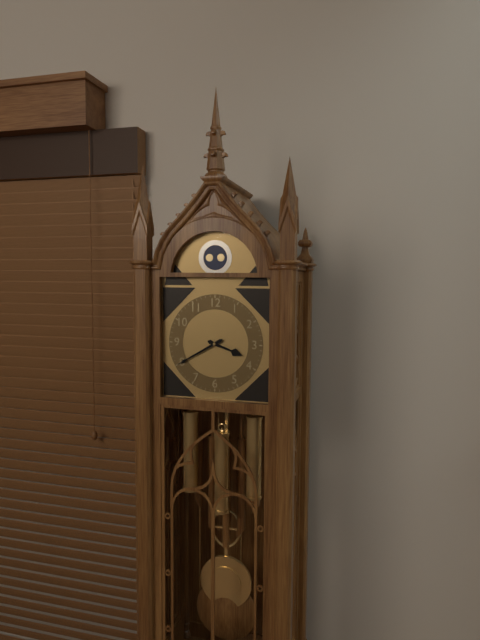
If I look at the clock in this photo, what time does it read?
3:40
